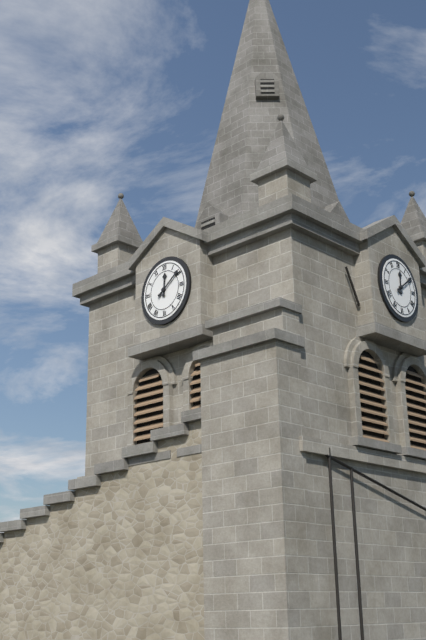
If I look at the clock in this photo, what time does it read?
12:09
